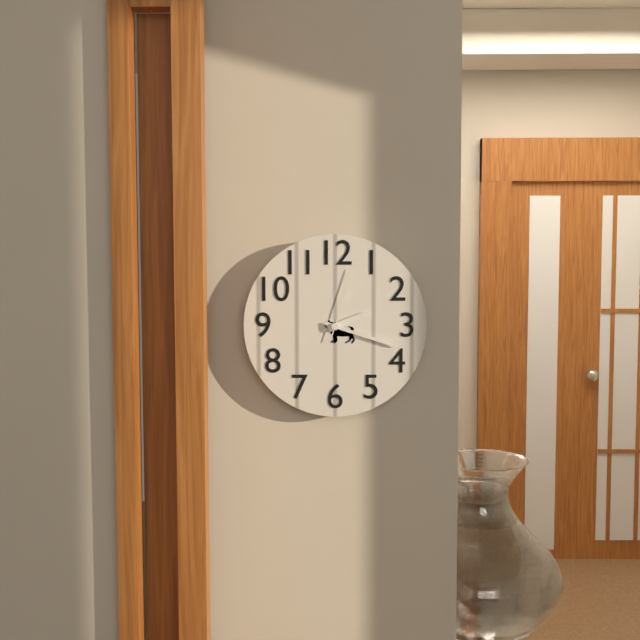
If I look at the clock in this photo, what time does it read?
2:18:03
